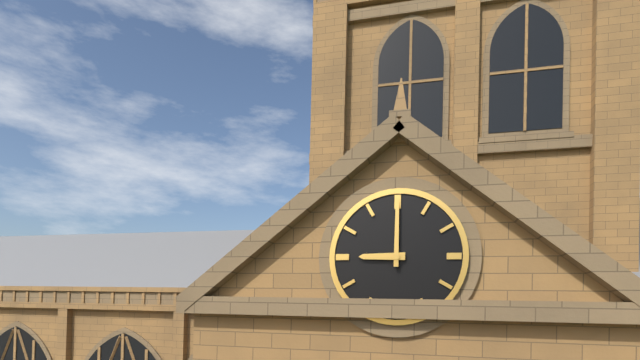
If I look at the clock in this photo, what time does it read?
9:00
